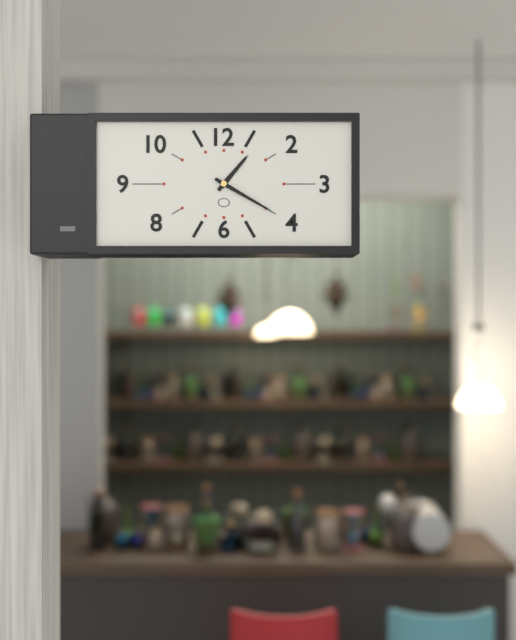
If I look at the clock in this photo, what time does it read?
1:20
